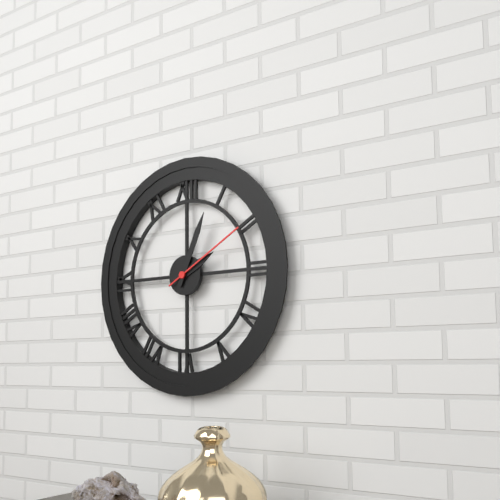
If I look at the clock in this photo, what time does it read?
2:04:10
